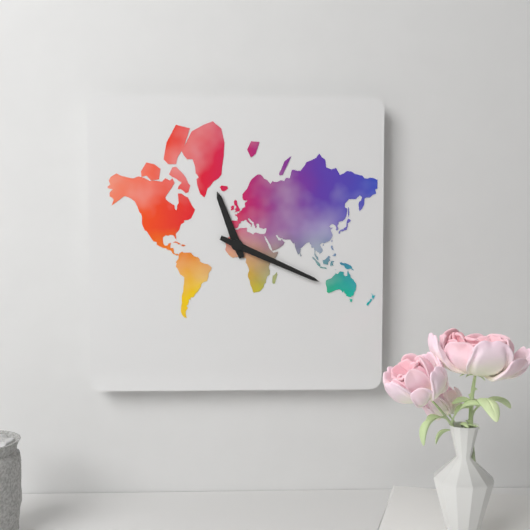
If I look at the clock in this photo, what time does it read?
11:19
